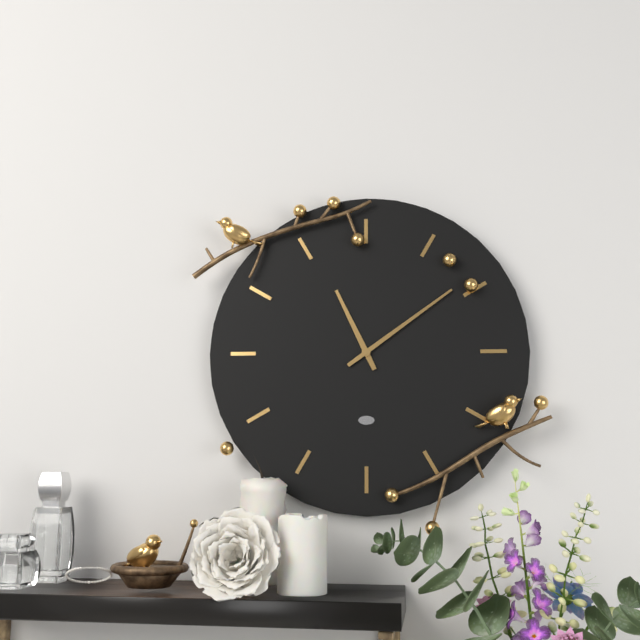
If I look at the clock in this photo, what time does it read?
11:09
